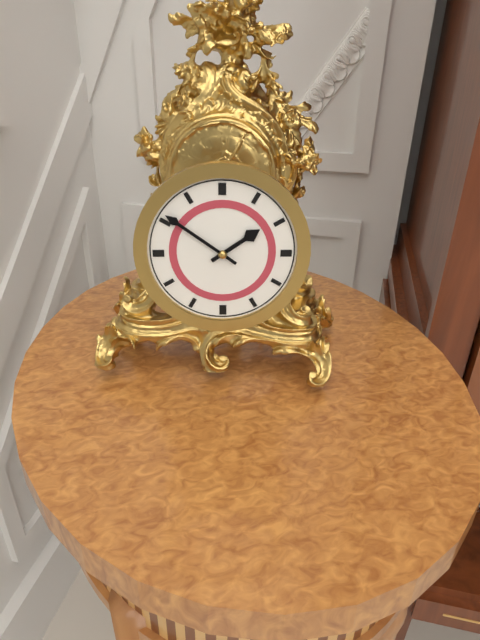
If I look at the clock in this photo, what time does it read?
1:51
